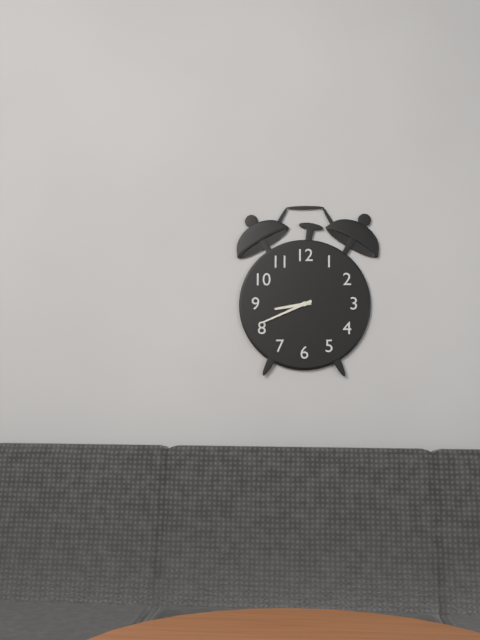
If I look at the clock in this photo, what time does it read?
8:41
